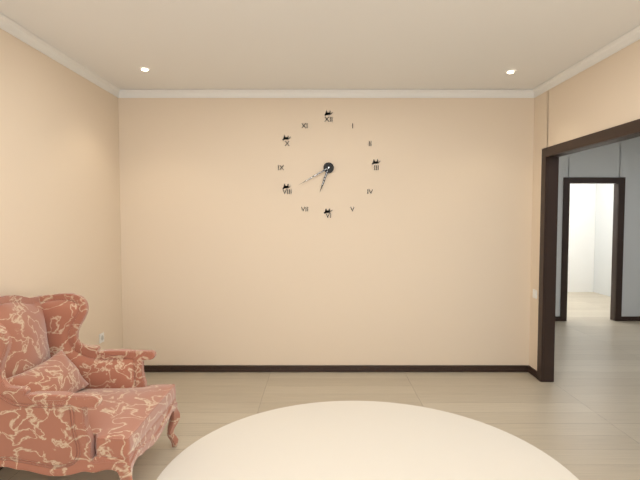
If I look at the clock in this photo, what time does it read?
6:40
